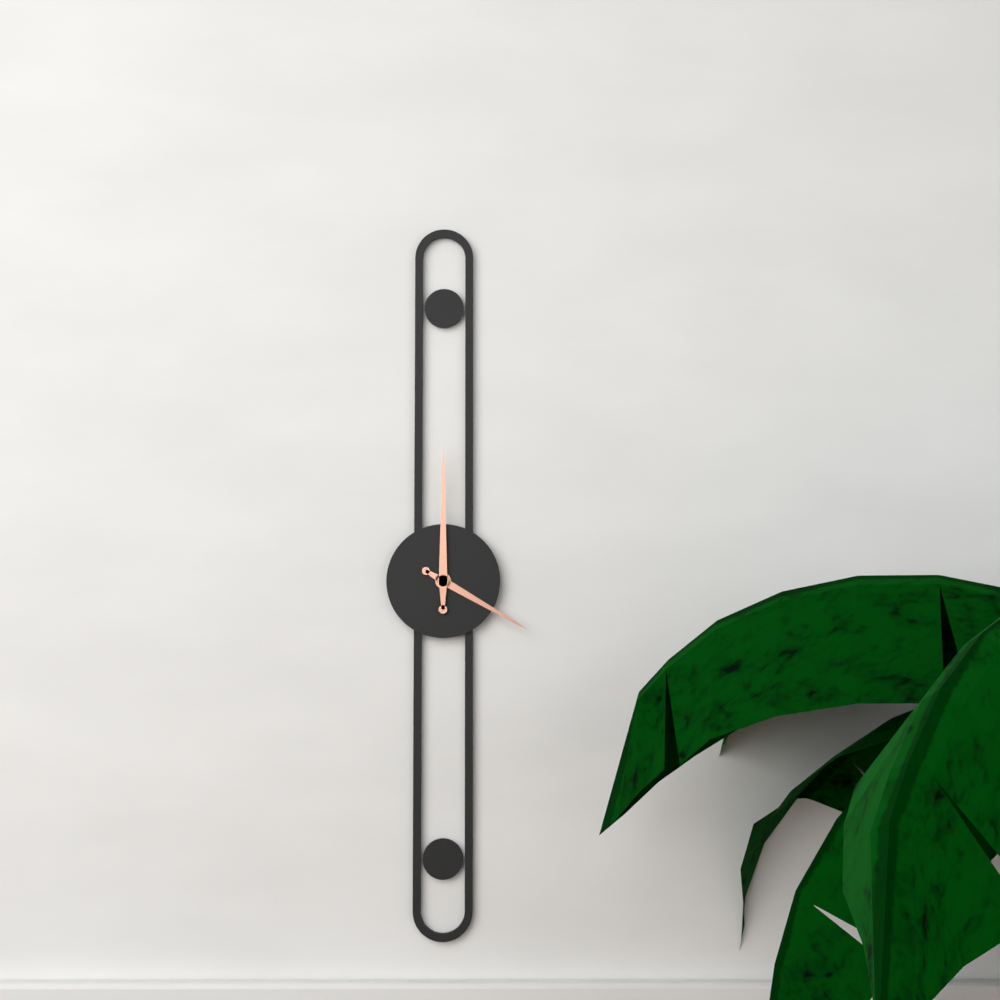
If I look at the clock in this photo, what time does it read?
4:00
